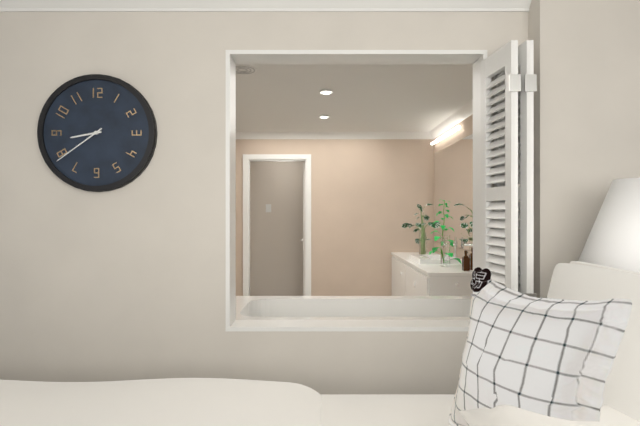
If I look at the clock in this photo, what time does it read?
8:39
